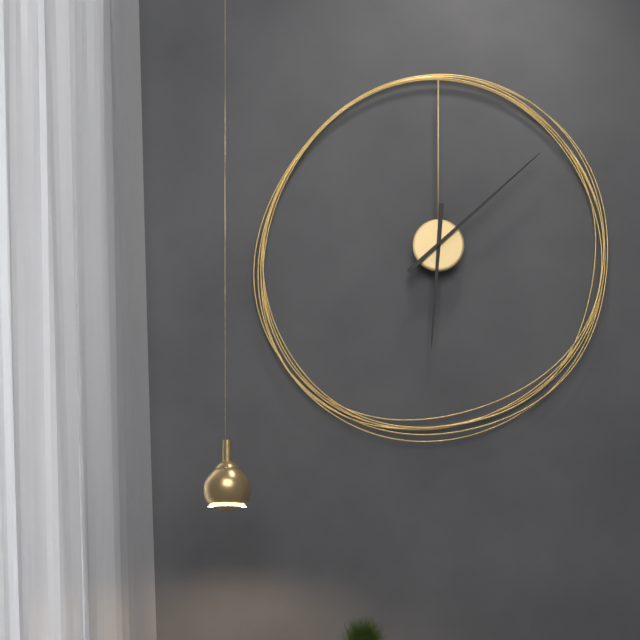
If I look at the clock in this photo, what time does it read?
6:08
